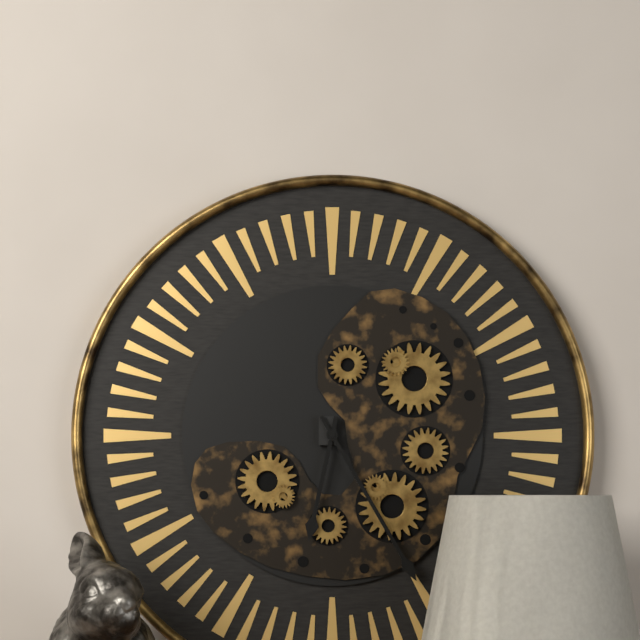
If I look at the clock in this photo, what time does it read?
6:25
